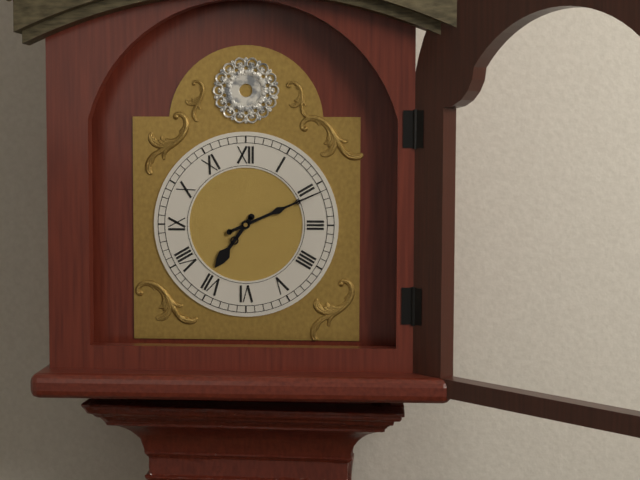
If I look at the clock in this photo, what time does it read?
7:11
